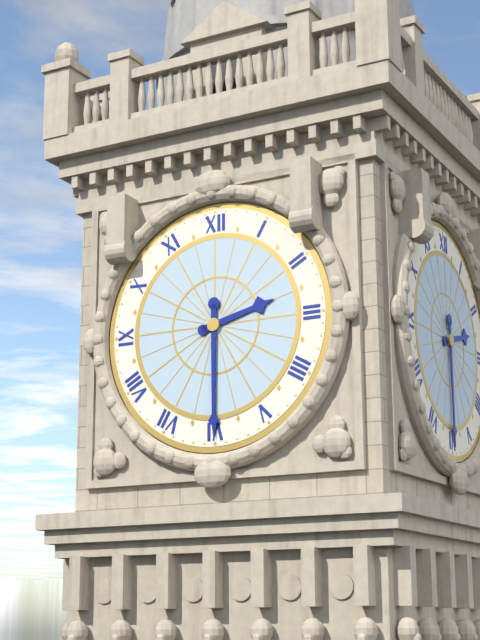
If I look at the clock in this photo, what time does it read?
2:30
